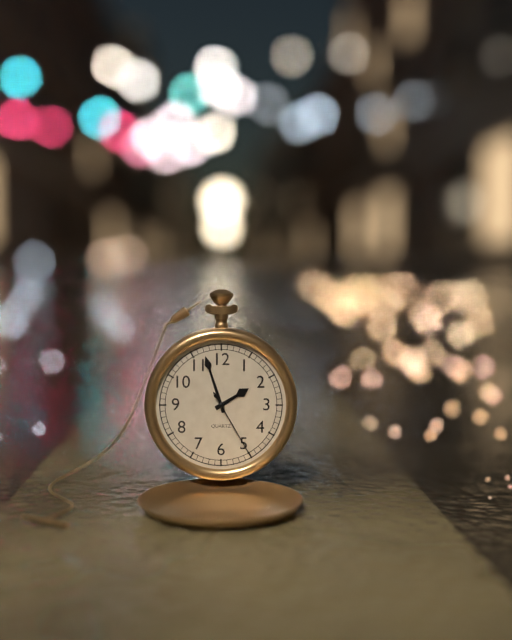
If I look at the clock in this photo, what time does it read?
1:57:25
